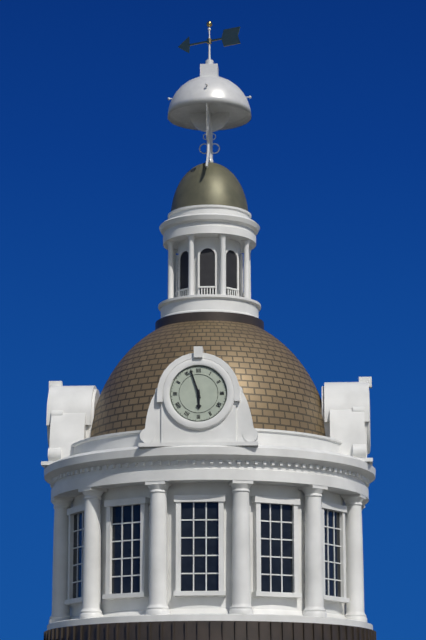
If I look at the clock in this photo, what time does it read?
5:57
